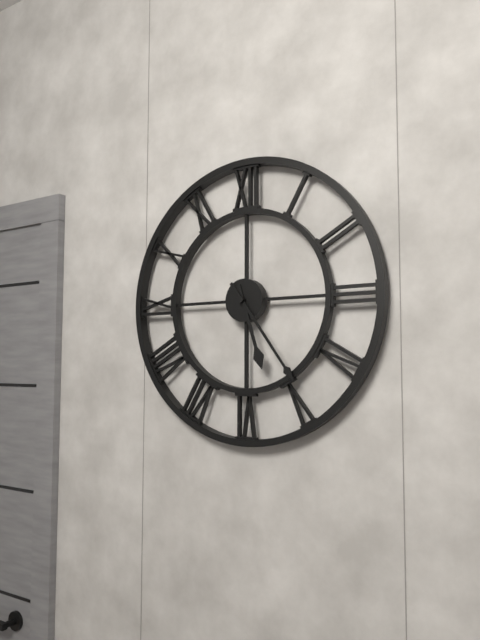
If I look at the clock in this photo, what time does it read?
5:24
